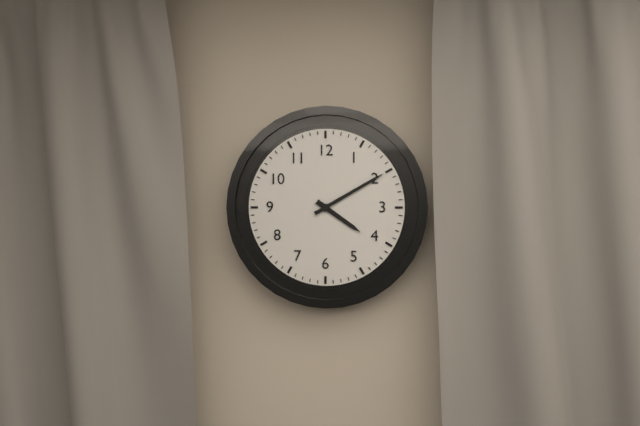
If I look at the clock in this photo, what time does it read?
4:10
